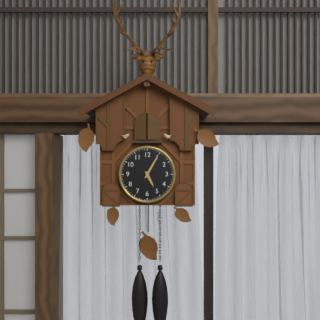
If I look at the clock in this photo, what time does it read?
5:05
